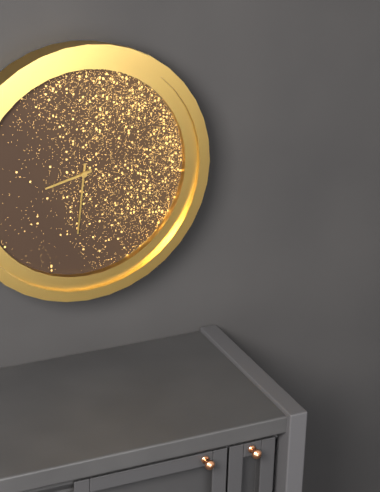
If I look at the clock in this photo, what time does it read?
8:31
